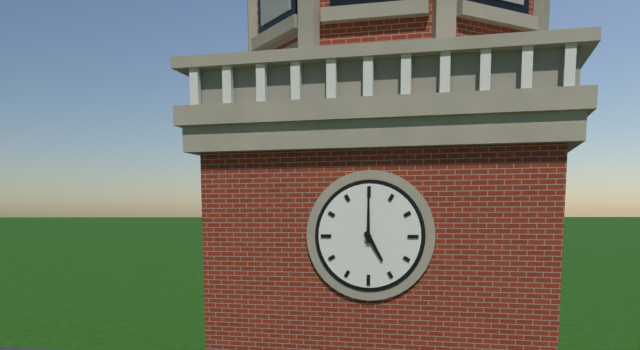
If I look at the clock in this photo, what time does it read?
5:00
